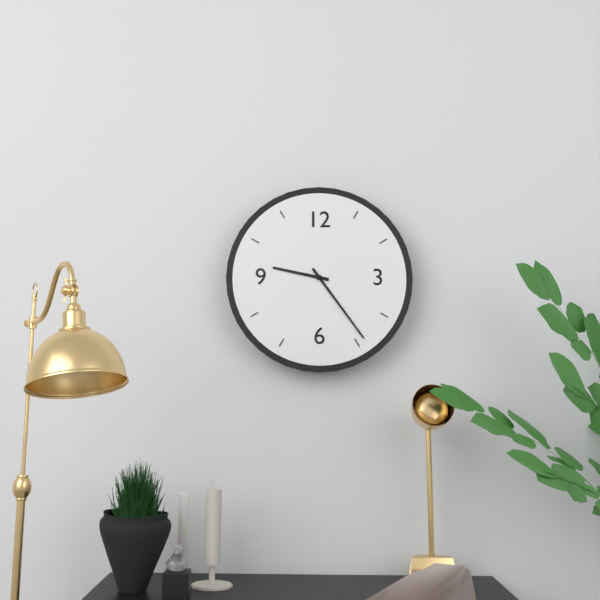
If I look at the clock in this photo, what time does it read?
9:24
